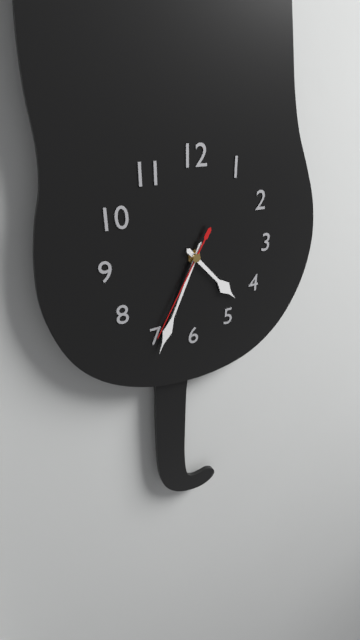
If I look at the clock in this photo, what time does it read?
4:34:35
